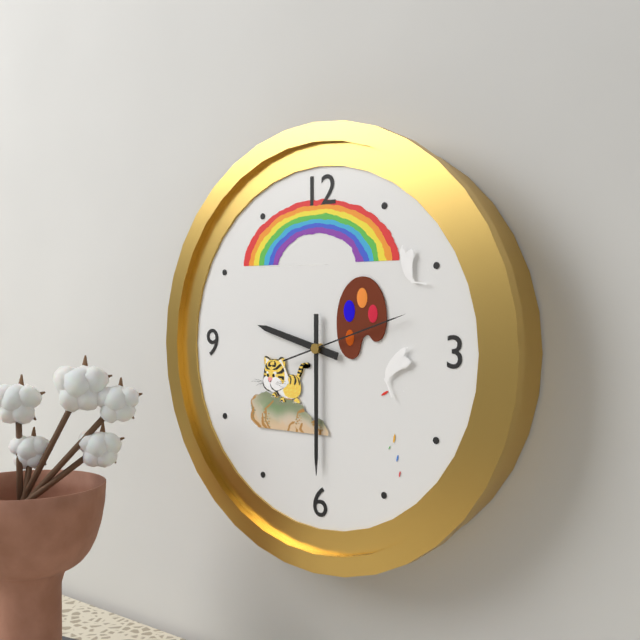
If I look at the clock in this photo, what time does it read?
9:30:12
